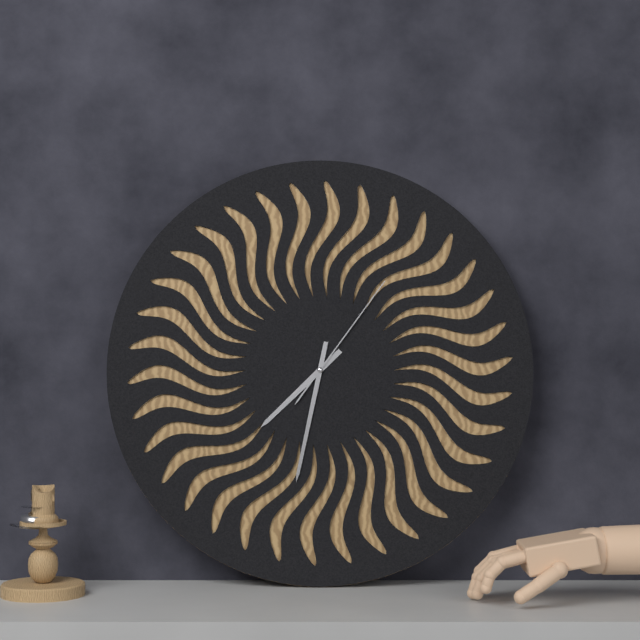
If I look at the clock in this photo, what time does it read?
7:32:06
